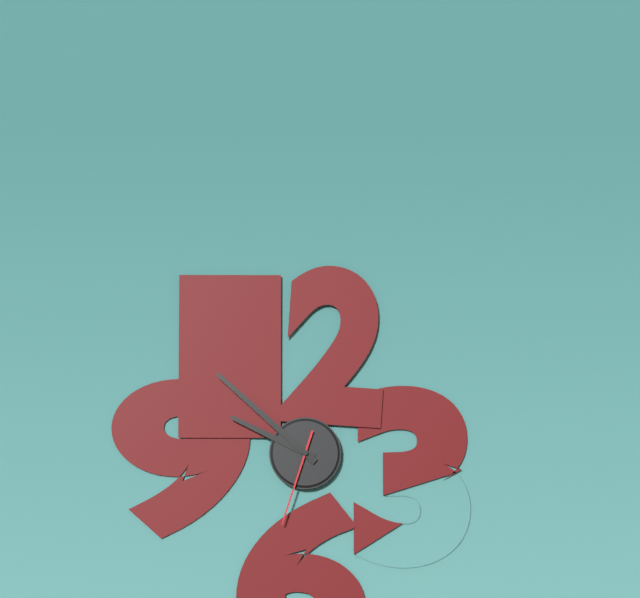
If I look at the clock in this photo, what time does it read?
9:52:33
